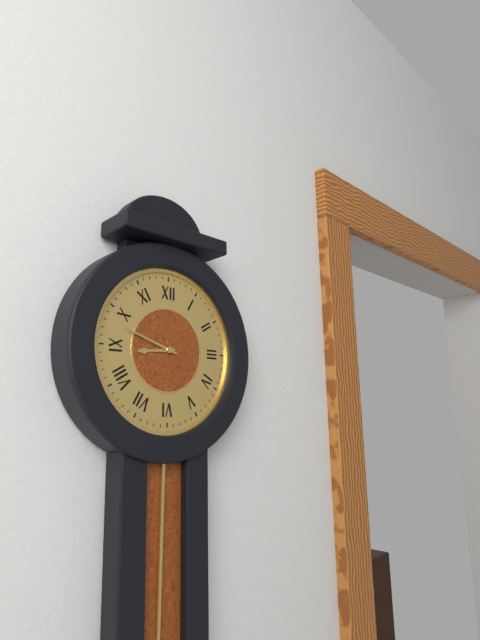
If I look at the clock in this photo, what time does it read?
8:48
